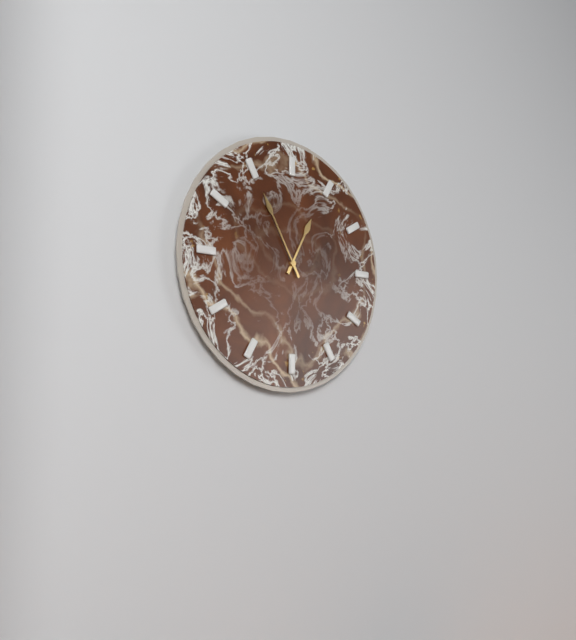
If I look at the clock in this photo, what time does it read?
12:55
